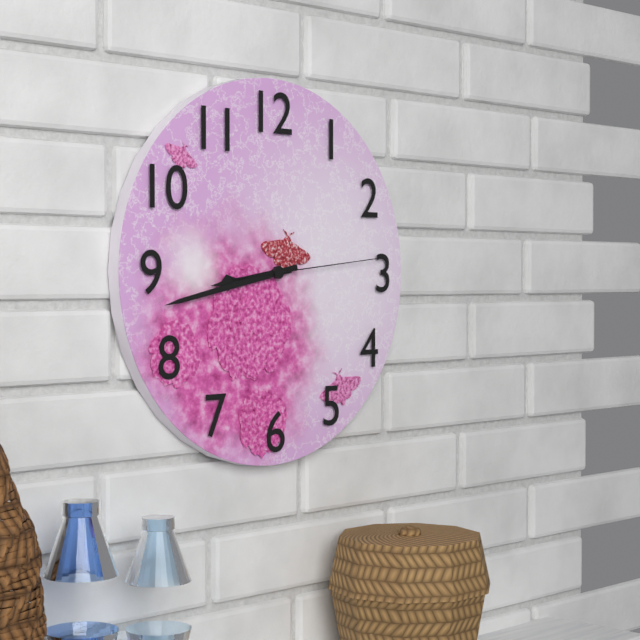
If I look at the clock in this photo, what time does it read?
8:43:14
